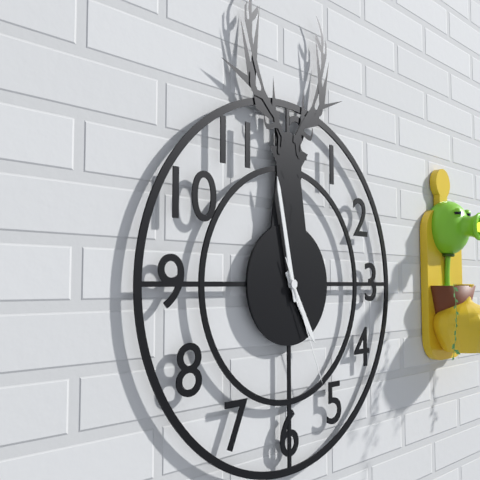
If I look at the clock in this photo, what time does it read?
4:58:26
